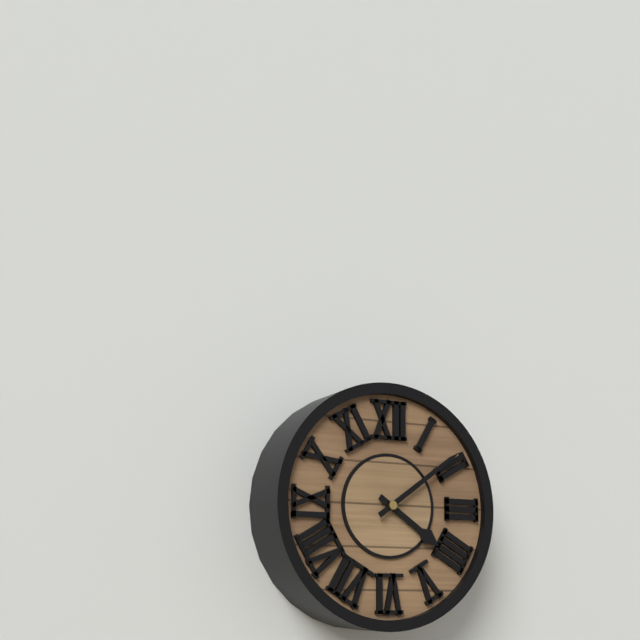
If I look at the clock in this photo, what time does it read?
4:09
